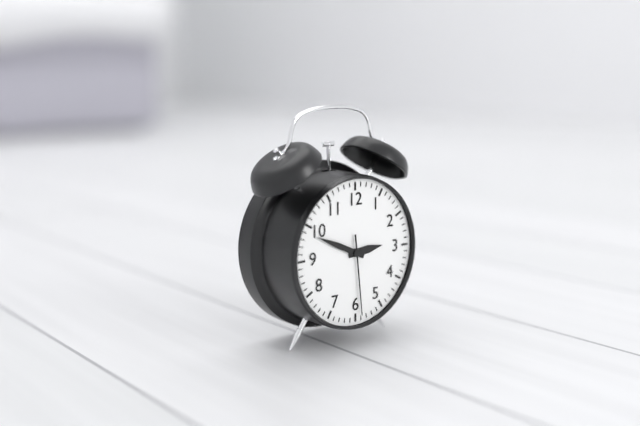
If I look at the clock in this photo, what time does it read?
2:49:29
